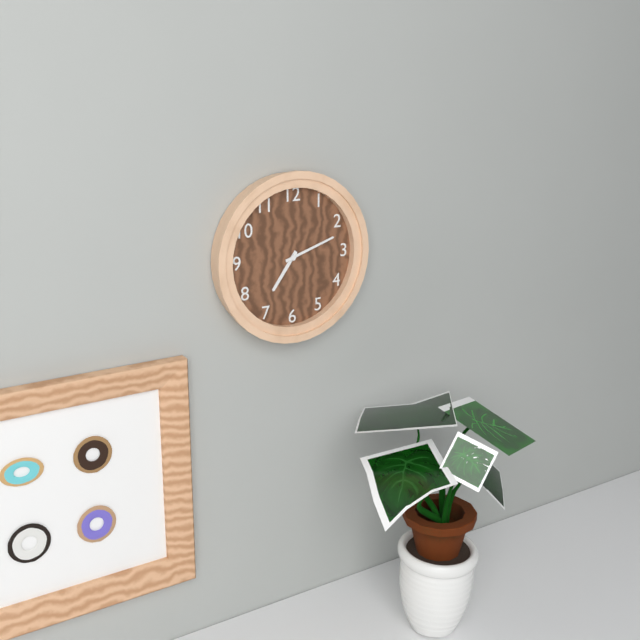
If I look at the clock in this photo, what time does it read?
7:12
